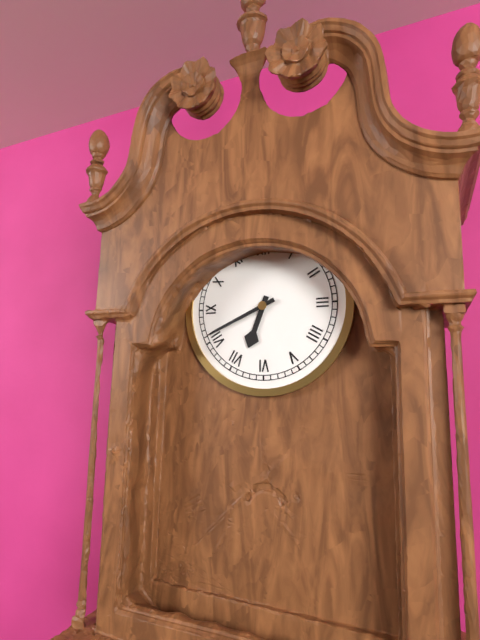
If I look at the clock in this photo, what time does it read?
6:41
